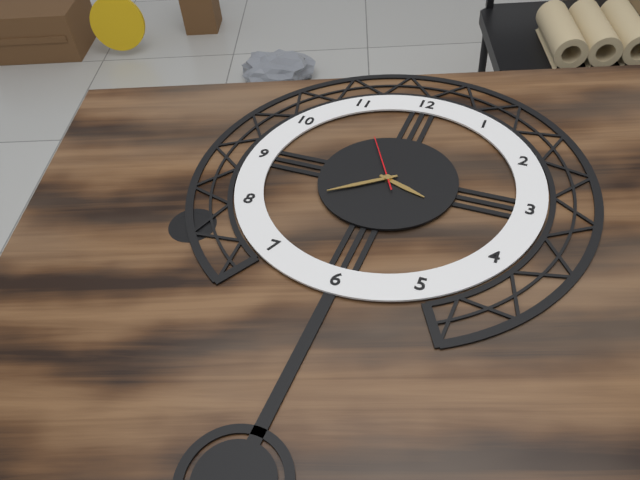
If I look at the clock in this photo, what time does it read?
3:39:55
